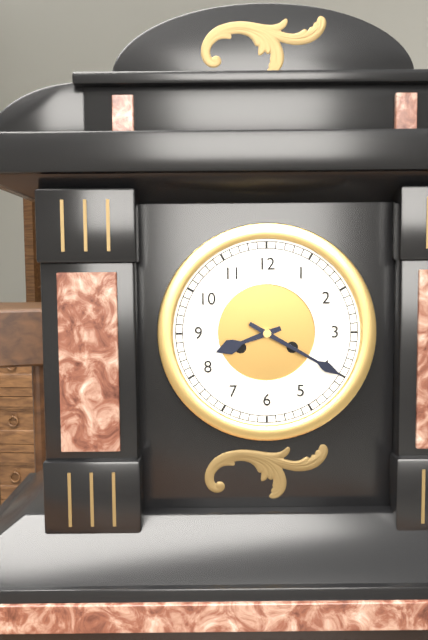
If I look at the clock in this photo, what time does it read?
8:20
